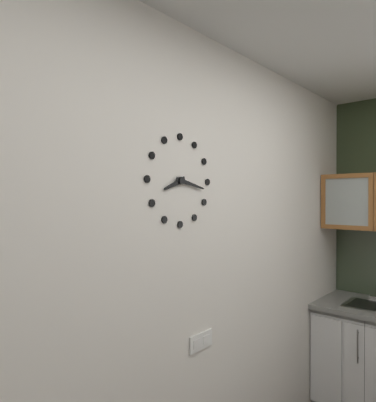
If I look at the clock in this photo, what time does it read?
8:17
